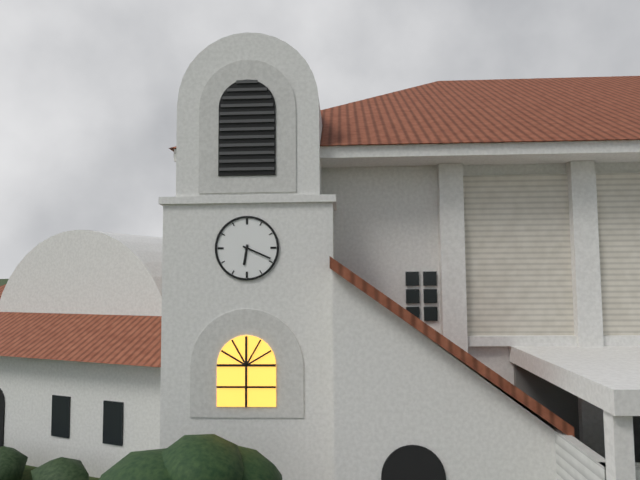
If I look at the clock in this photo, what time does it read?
6:19
